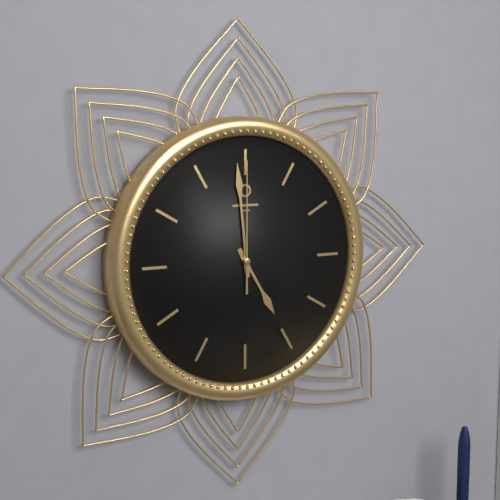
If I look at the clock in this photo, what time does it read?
4:59:00
